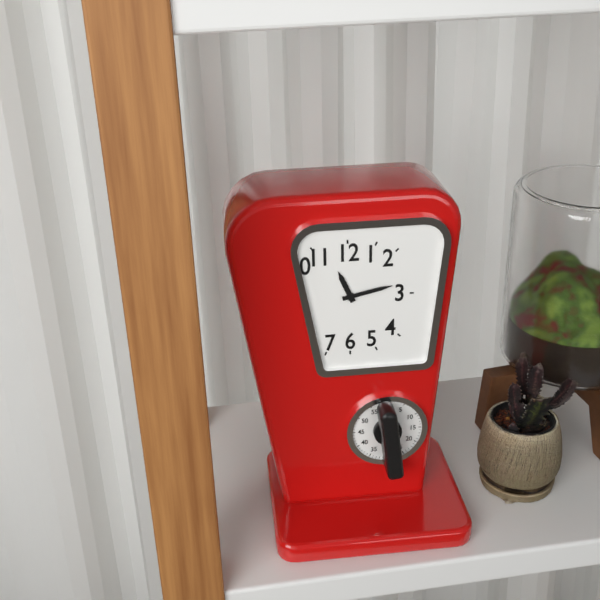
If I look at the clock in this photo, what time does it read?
11:13
